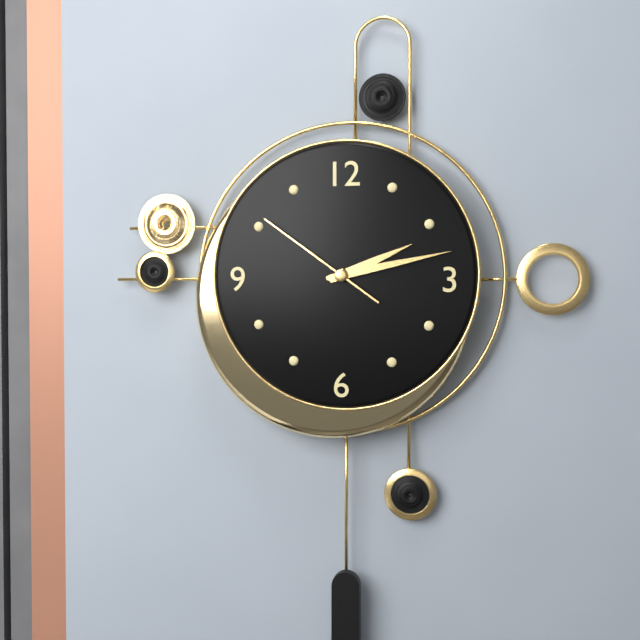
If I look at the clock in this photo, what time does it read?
2:13:51
